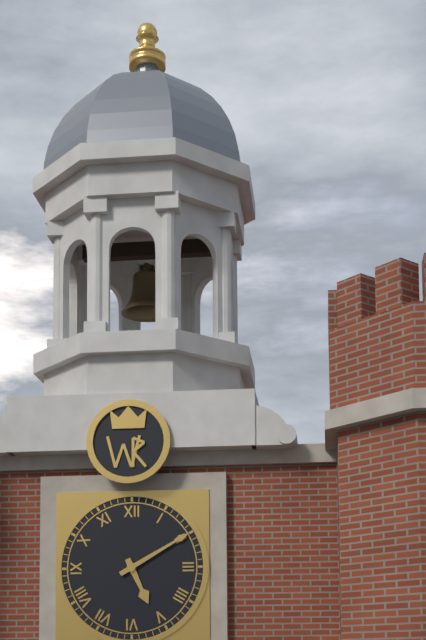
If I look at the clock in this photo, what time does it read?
5:10
